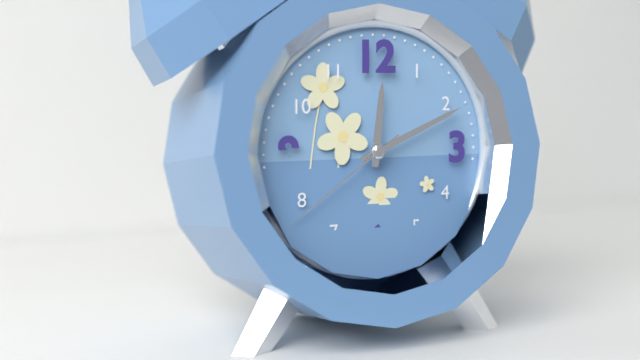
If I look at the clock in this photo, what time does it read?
12:11:39
